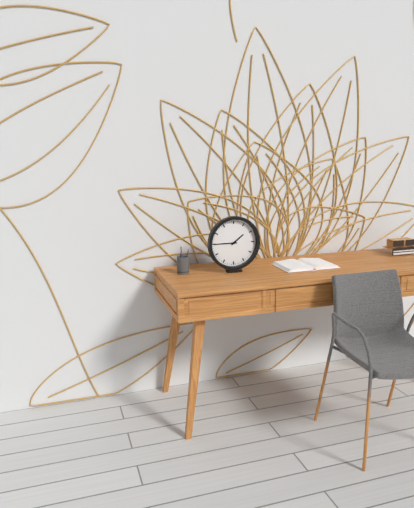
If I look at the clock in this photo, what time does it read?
1:45
